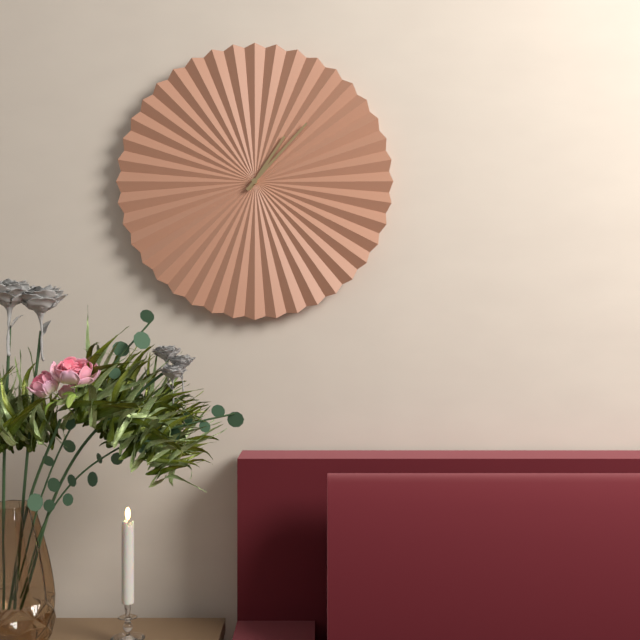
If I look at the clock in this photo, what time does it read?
1:07
